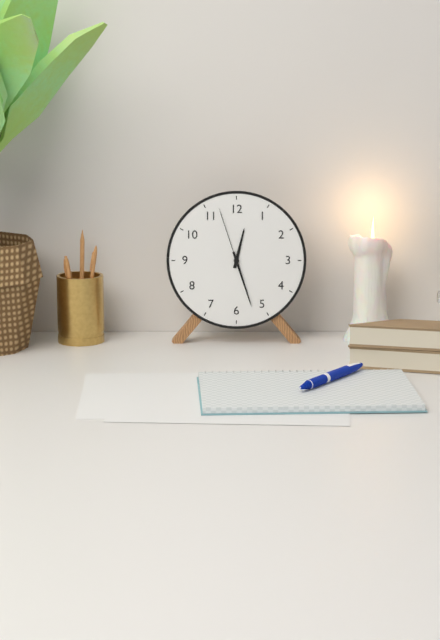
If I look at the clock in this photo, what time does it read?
12:27:57
